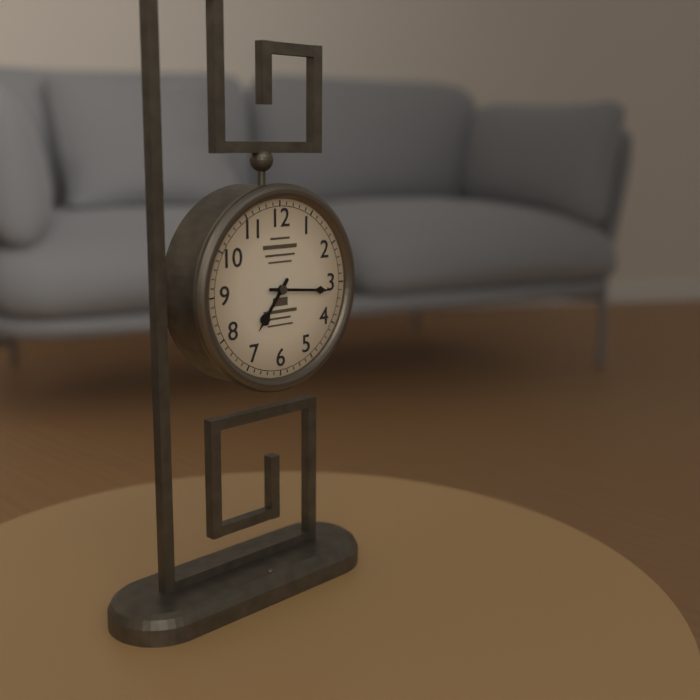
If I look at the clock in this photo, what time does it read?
7:16
